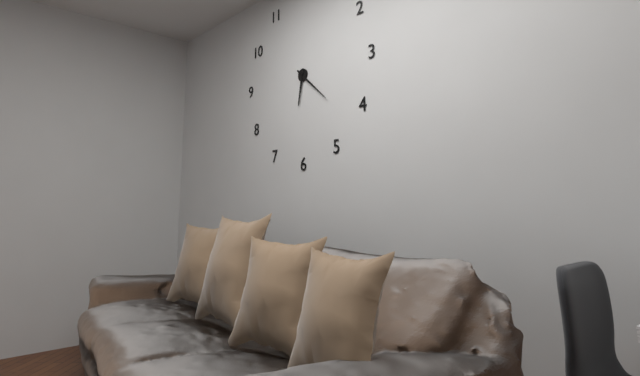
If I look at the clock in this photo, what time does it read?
6:22
